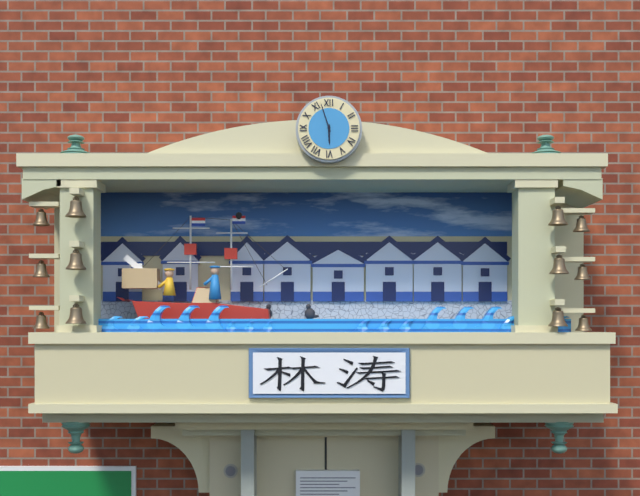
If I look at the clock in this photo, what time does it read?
5:57
